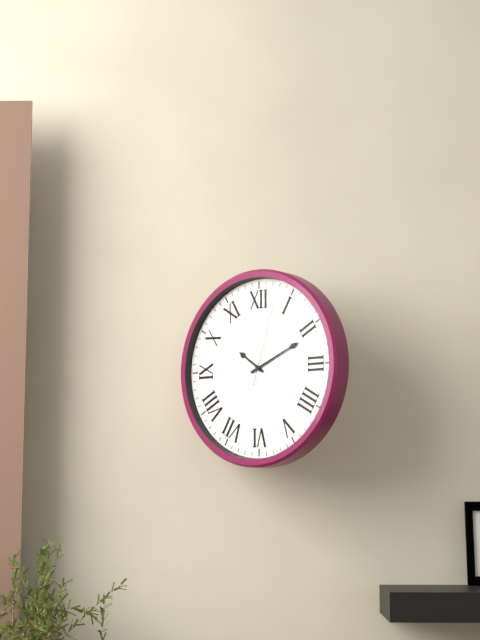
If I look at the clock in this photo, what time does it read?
10:11:03
